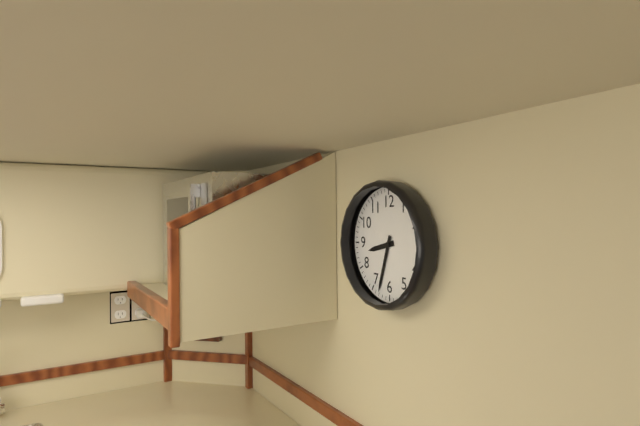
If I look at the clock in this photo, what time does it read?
8:33
